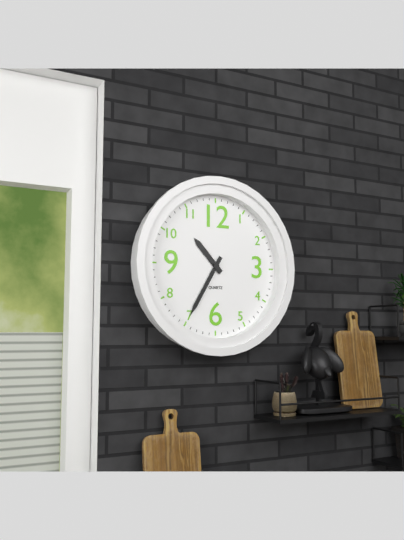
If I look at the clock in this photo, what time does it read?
10:35
